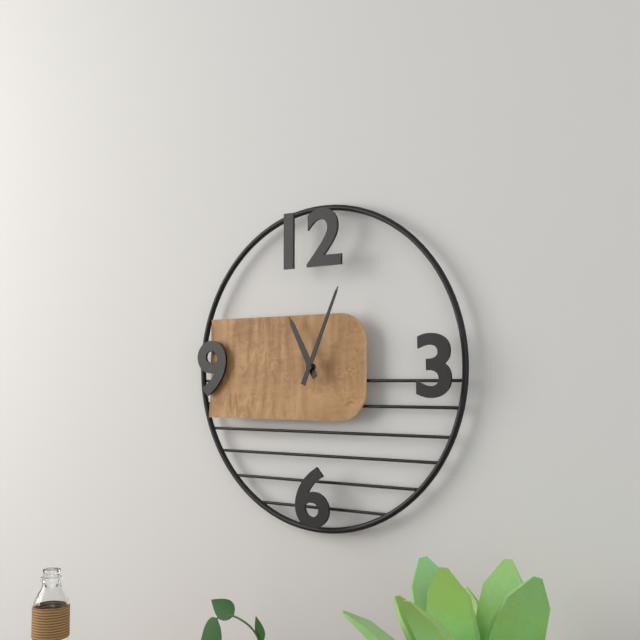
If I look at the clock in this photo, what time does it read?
11:04
